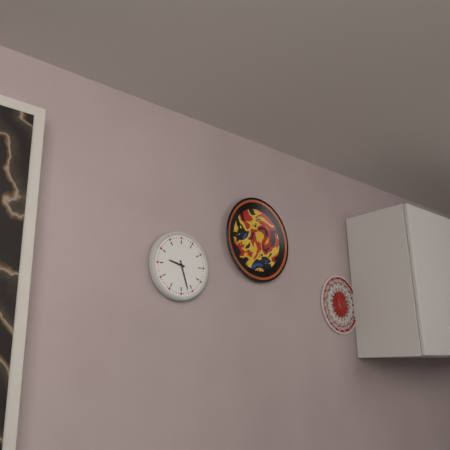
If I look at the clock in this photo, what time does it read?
9:27
